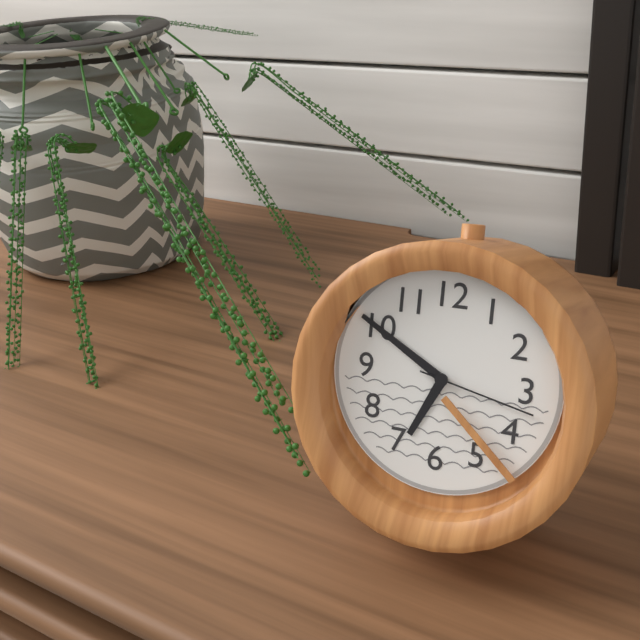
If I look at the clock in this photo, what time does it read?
6:50:17
